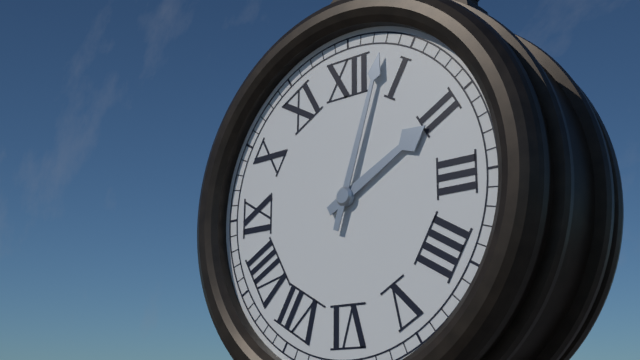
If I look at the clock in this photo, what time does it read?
2:03
